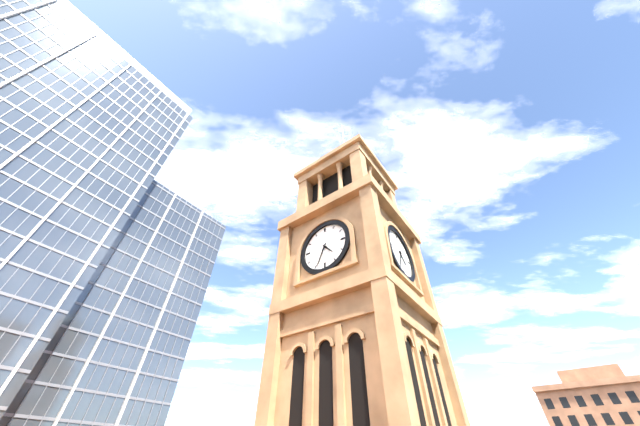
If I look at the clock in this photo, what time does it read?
4:34
